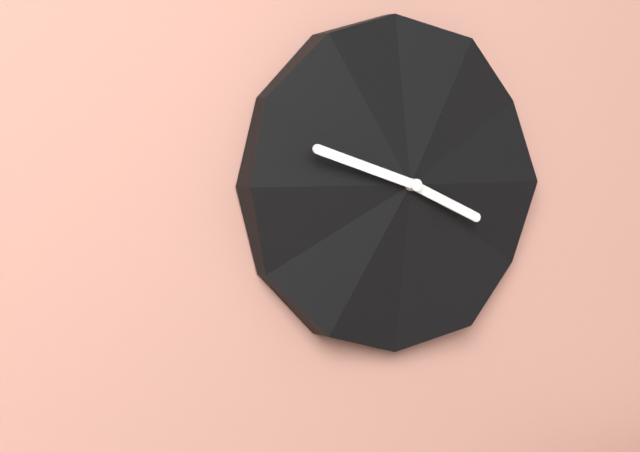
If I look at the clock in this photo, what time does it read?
3:48
